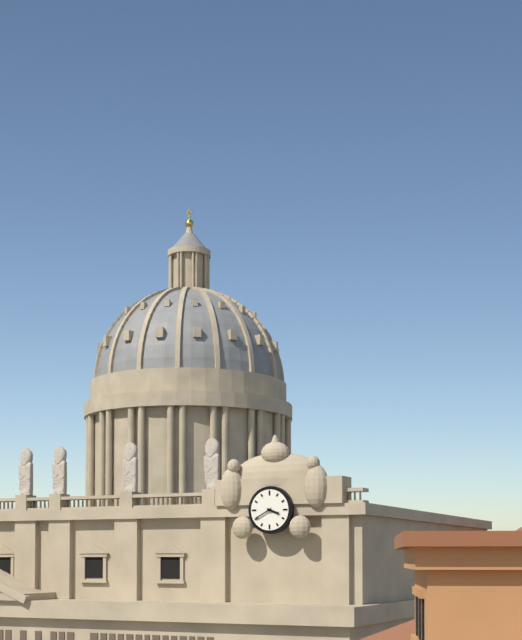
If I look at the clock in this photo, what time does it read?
3:40
